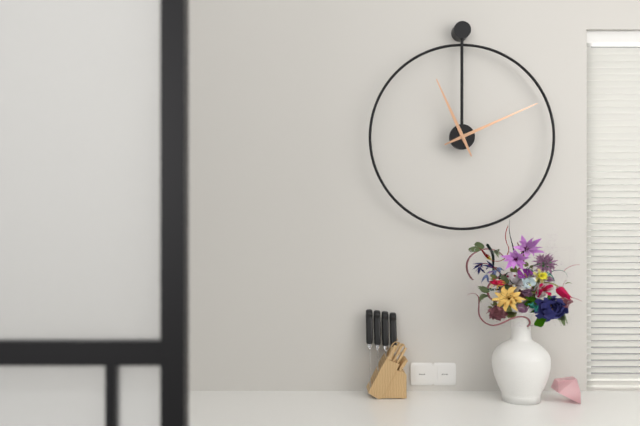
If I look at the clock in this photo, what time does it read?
11:11
